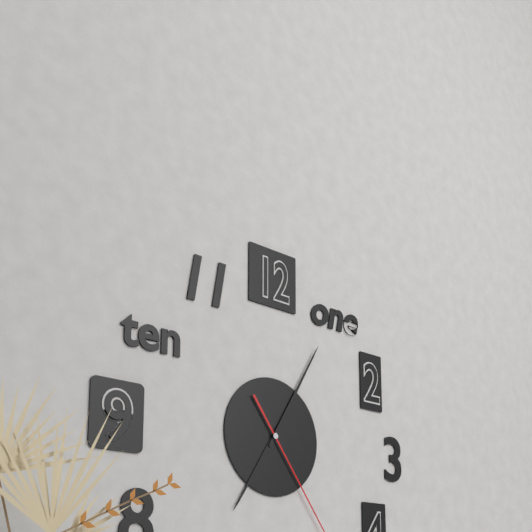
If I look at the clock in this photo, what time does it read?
7:05
